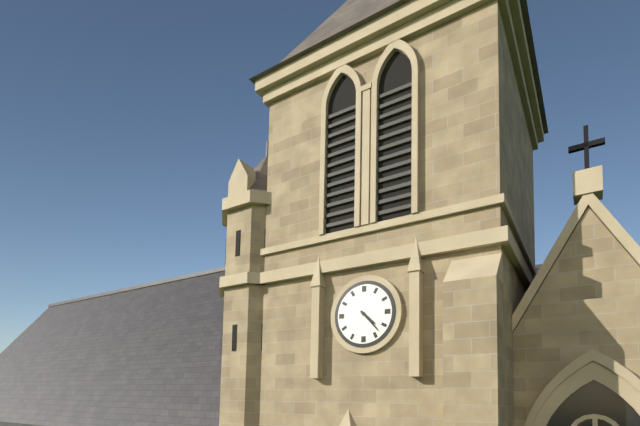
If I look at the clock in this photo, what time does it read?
4:23
